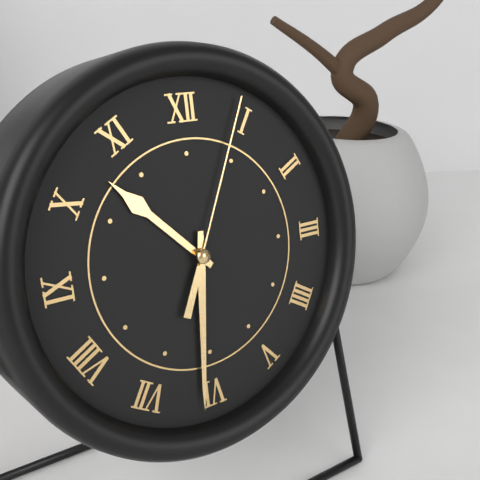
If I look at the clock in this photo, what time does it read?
10:31:04
